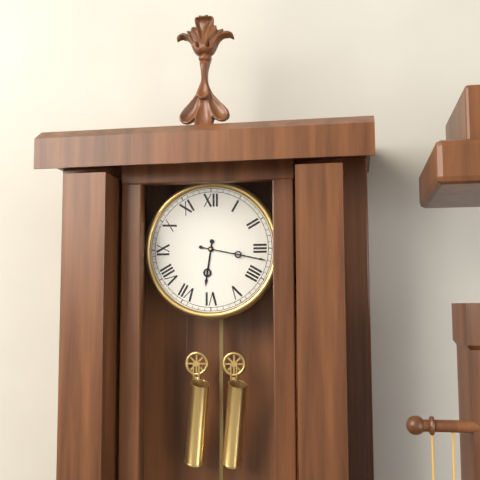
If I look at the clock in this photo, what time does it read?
6:17
